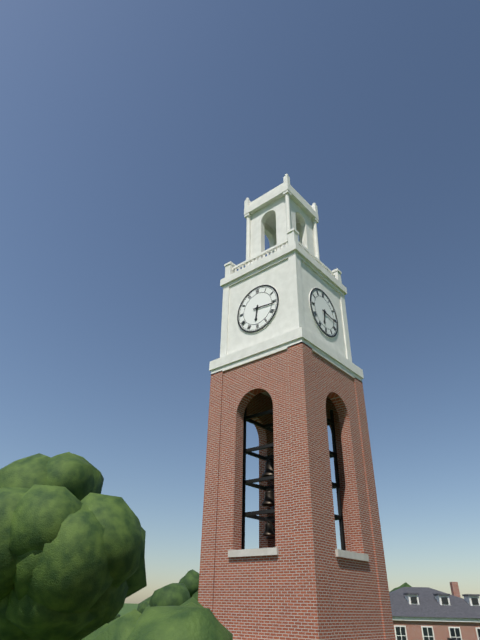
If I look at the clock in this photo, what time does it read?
6:16
